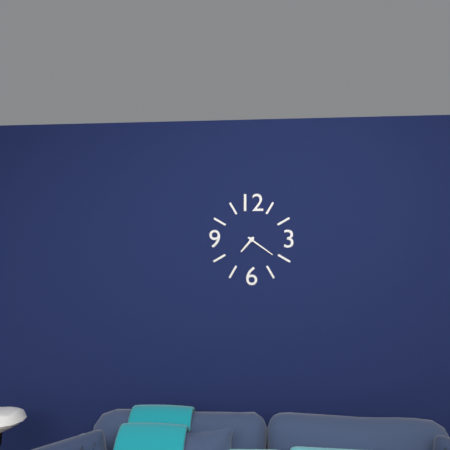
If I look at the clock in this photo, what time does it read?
7:21
